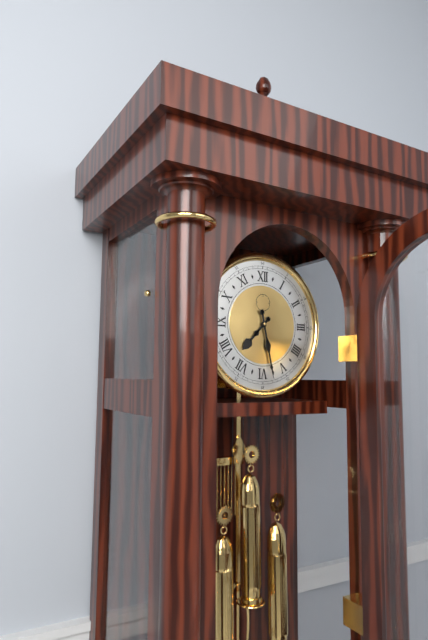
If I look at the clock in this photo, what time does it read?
7:28
